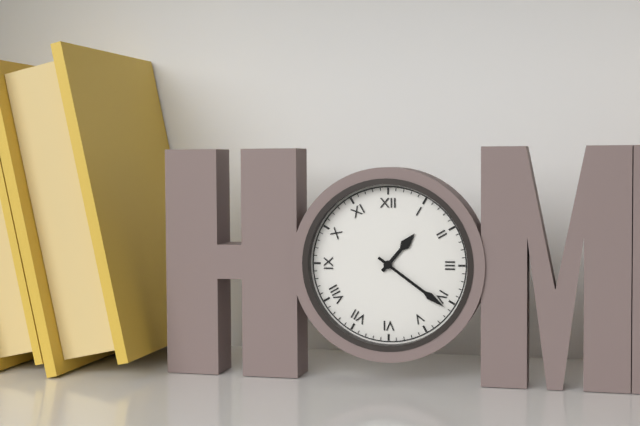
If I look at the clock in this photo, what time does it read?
1:21
